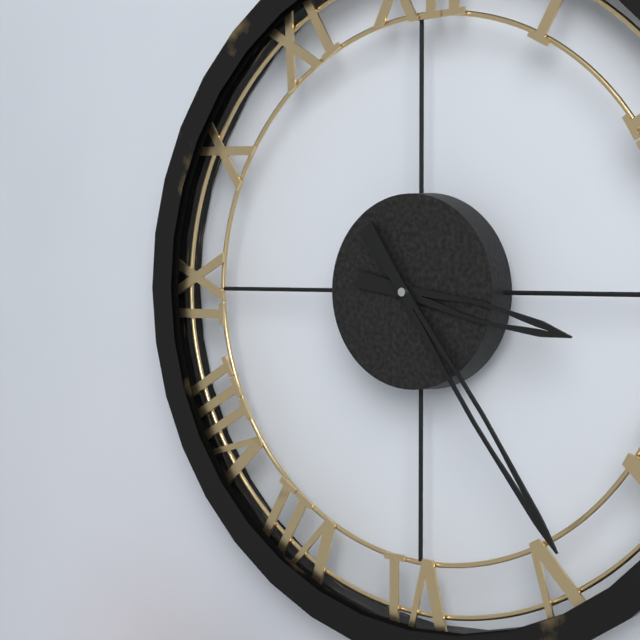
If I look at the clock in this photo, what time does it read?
3:24
